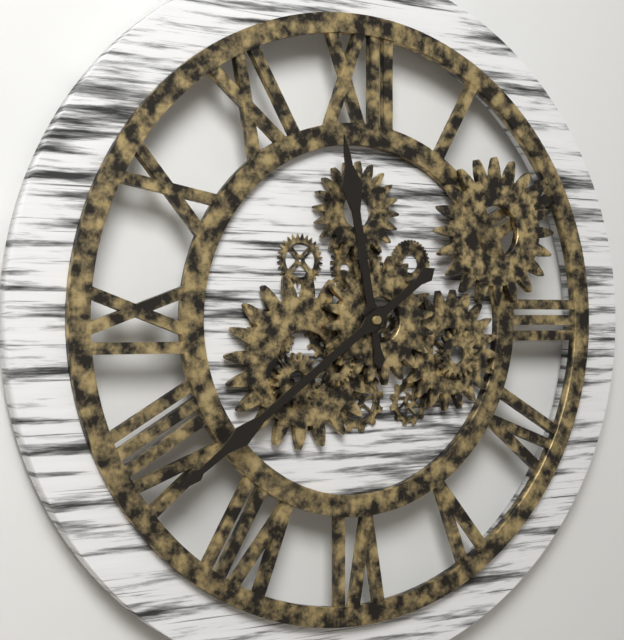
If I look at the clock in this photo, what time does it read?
11:39
